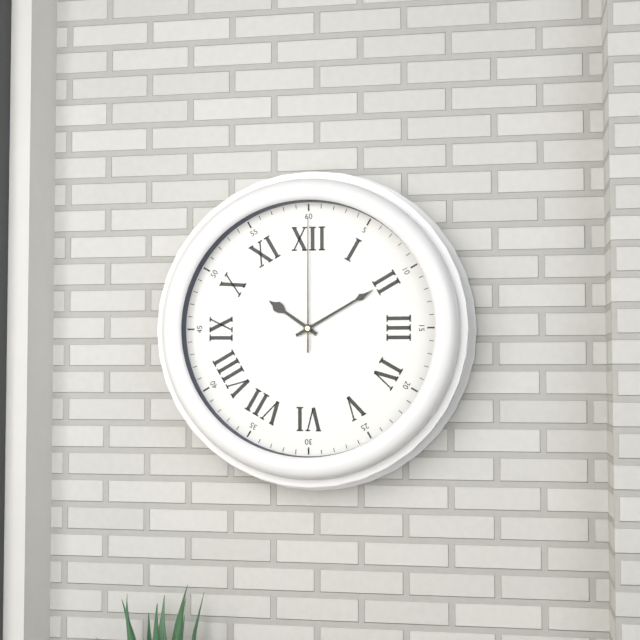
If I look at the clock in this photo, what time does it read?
10:10:00
